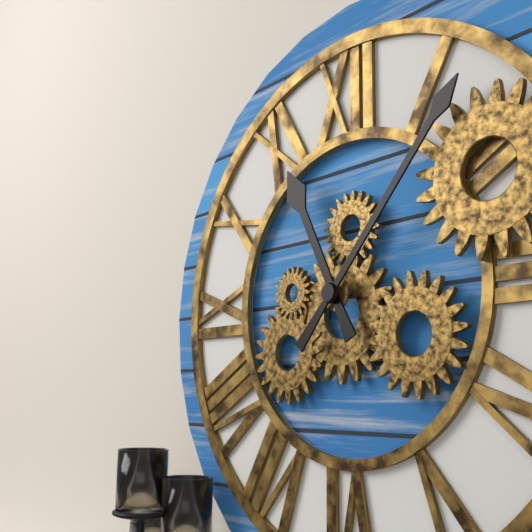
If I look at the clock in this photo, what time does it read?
11:07
